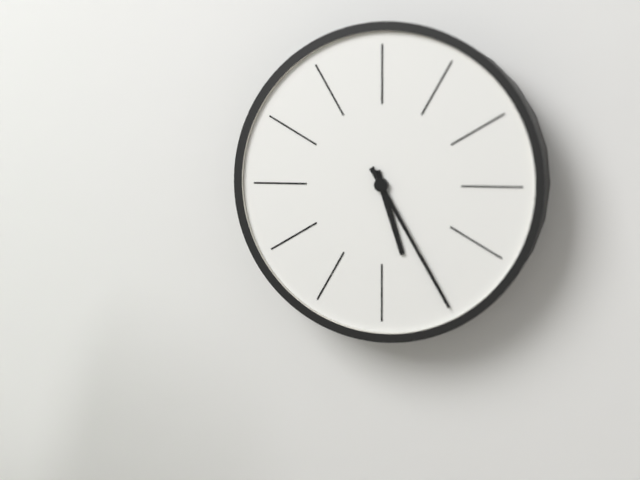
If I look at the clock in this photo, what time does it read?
5:25
